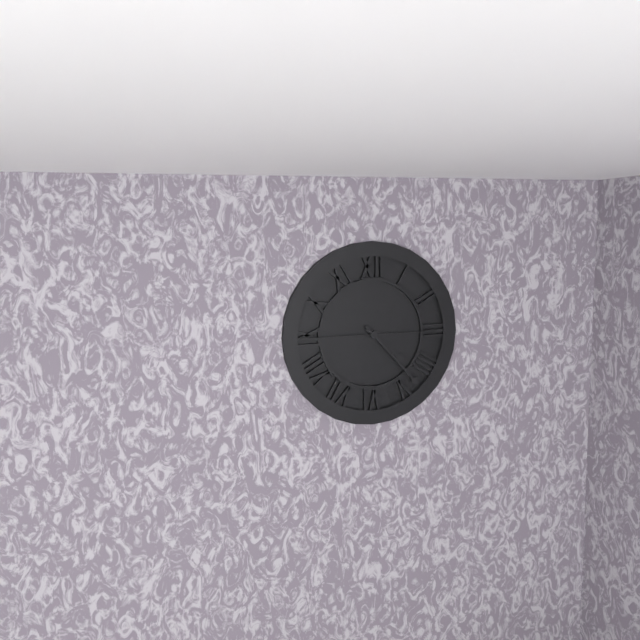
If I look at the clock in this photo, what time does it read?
4:23:45
